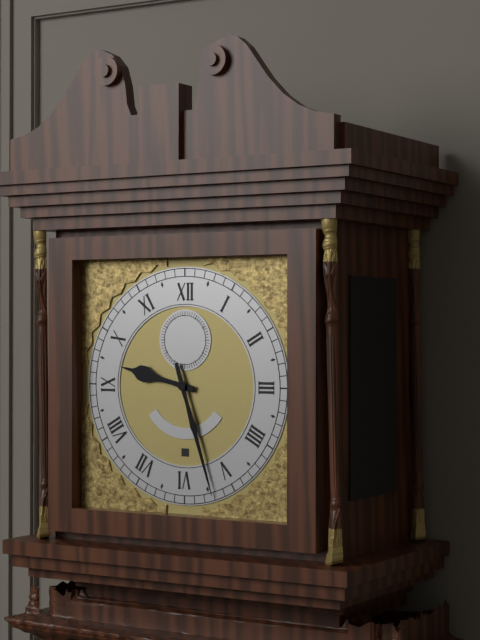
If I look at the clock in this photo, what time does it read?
9:27
